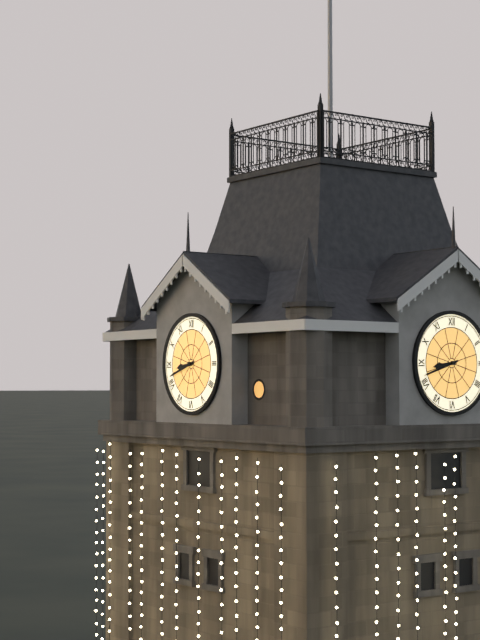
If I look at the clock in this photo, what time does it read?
8:42
